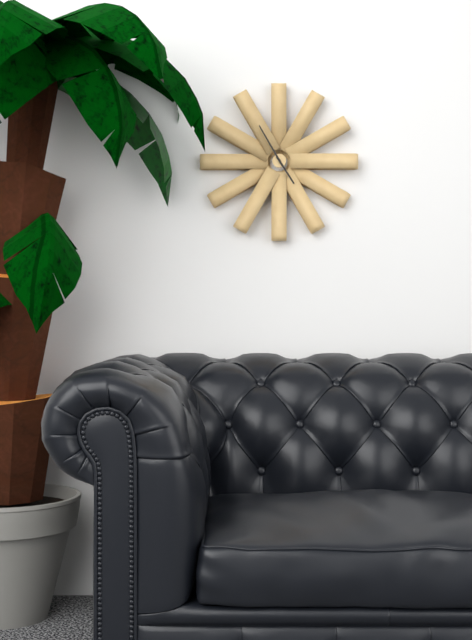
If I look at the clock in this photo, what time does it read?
4:55
